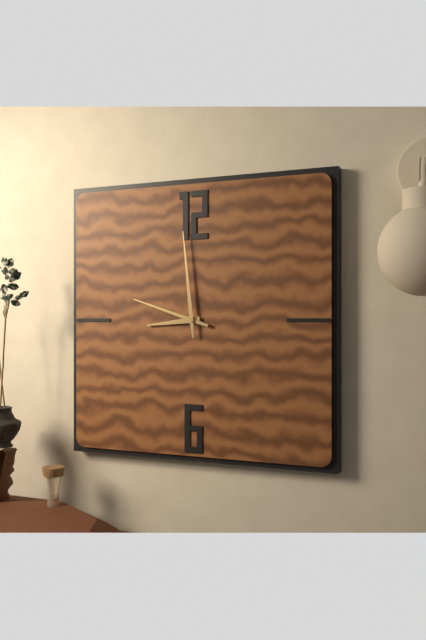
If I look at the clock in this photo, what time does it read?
8:48:59
